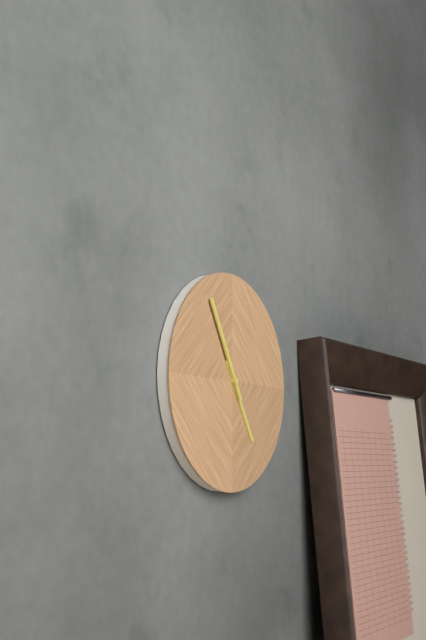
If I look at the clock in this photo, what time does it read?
4:55
